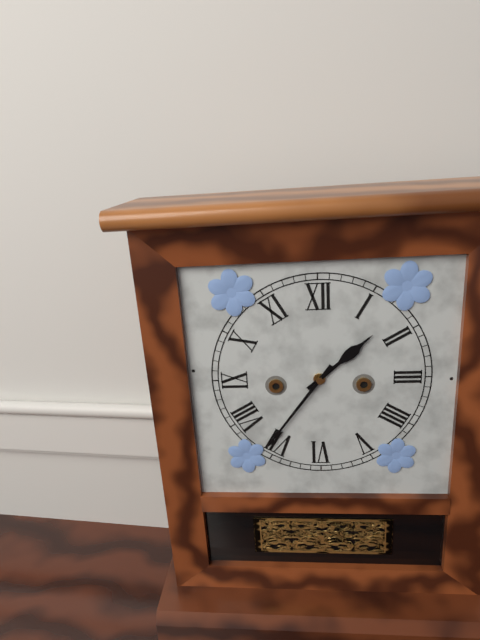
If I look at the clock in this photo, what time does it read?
1:36
